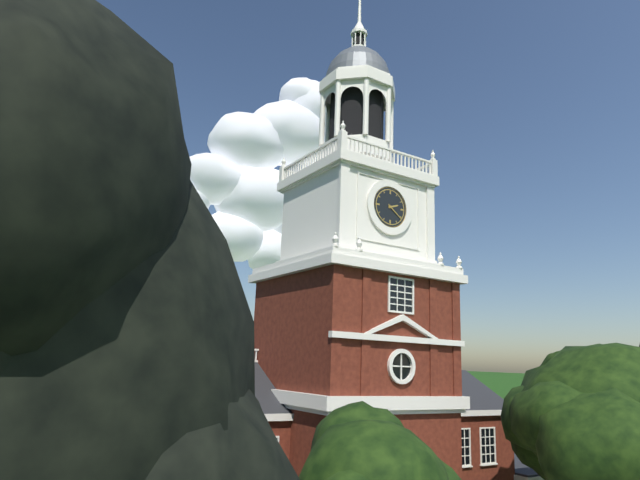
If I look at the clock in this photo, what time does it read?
2:21
